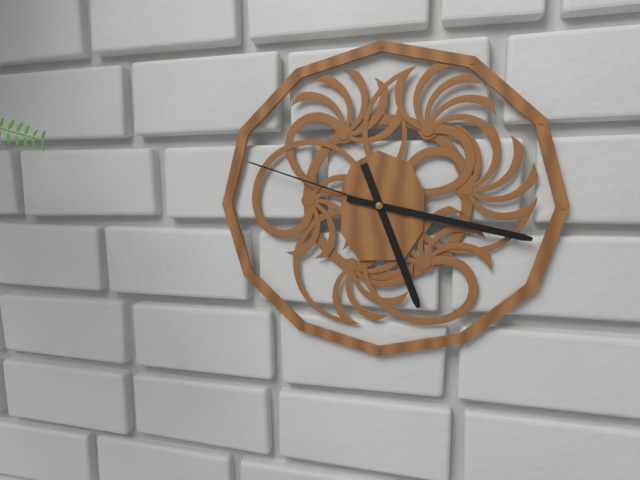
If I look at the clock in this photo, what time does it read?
5:17:48
